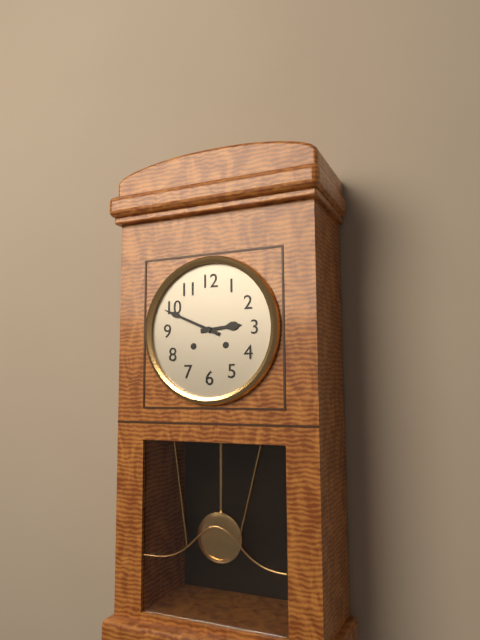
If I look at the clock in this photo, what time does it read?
2:49
